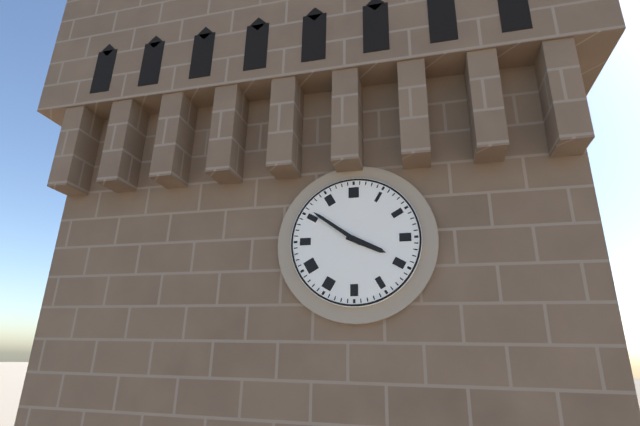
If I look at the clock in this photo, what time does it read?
3:51
